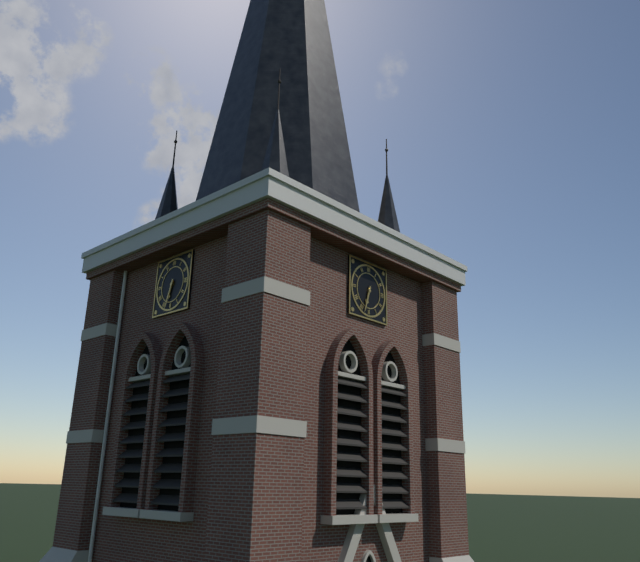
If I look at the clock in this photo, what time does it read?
6:33
